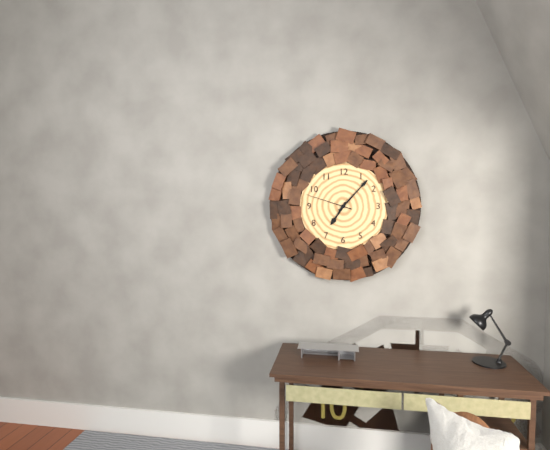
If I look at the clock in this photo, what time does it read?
7:07
